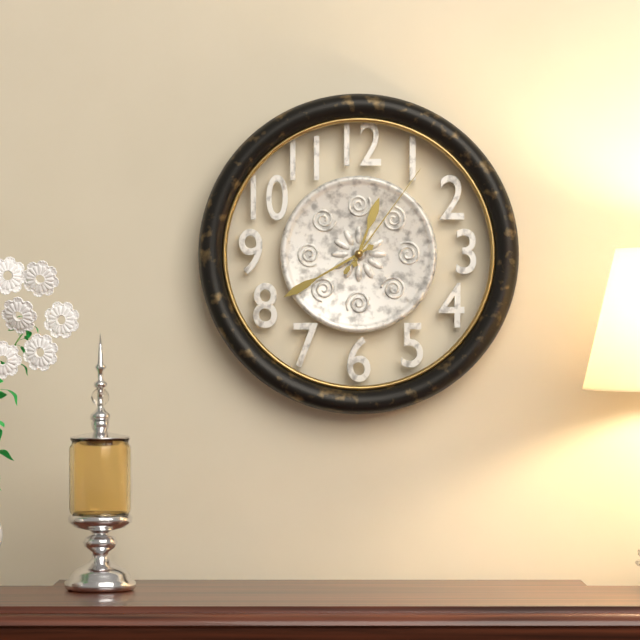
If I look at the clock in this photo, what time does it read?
12:40:06
